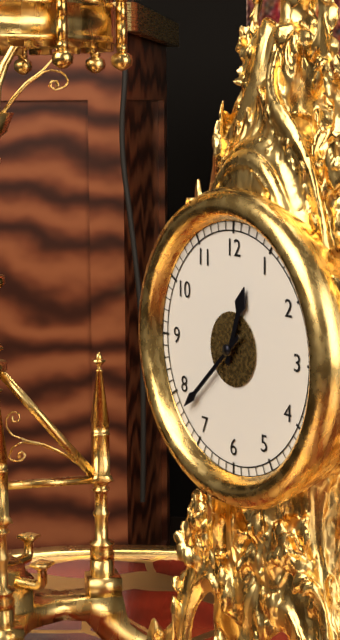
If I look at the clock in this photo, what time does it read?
12:38
